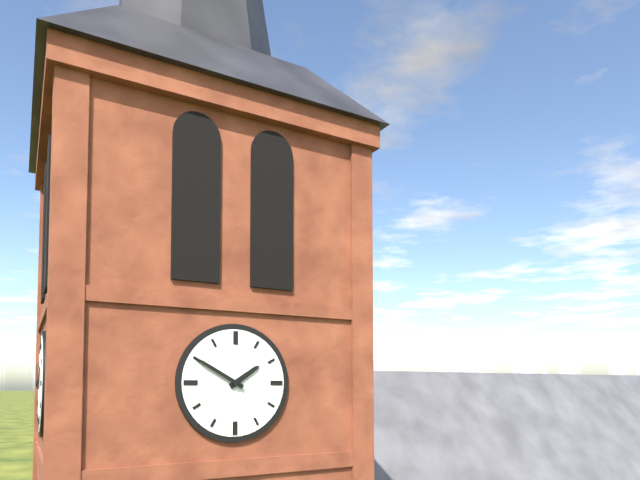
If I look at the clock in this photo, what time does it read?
1:50
